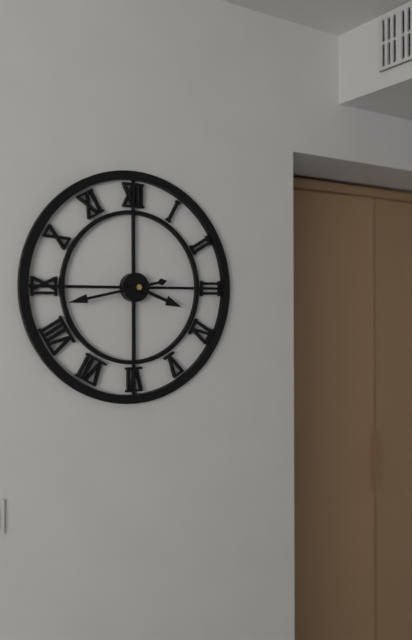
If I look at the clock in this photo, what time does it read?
3:43
